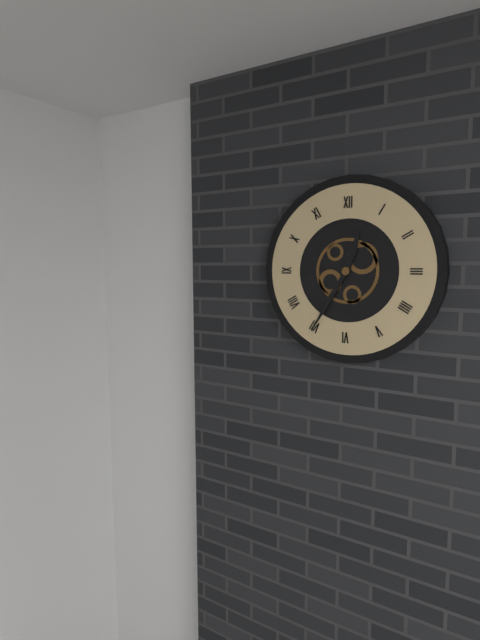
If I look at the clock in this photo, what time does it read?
12:35
